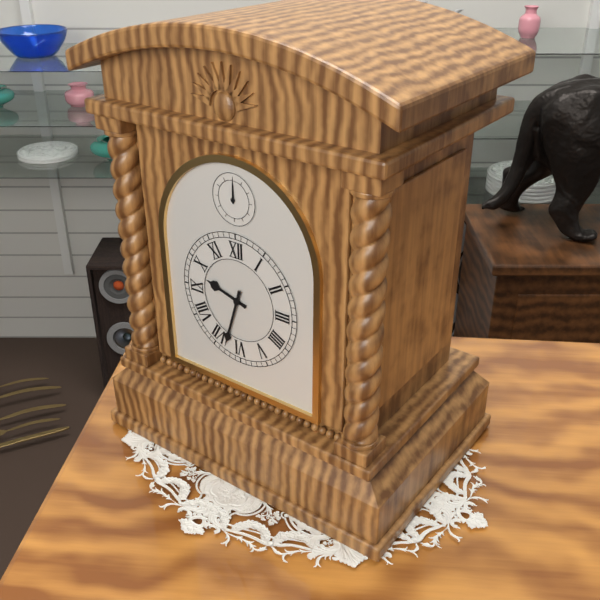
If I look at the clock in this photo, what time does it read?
9:33
